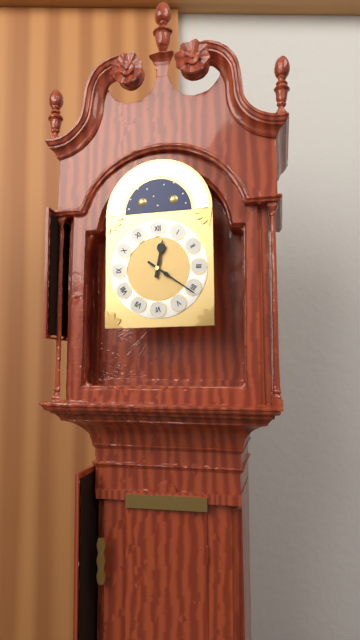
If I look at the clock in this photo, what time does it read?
12:21
